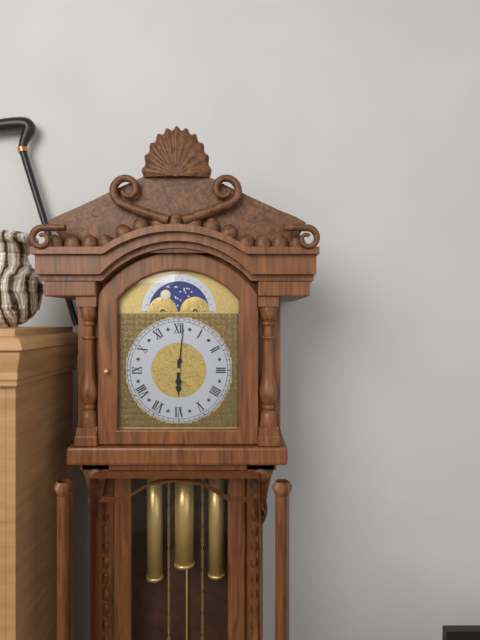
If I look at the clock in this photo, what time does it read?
6:01
